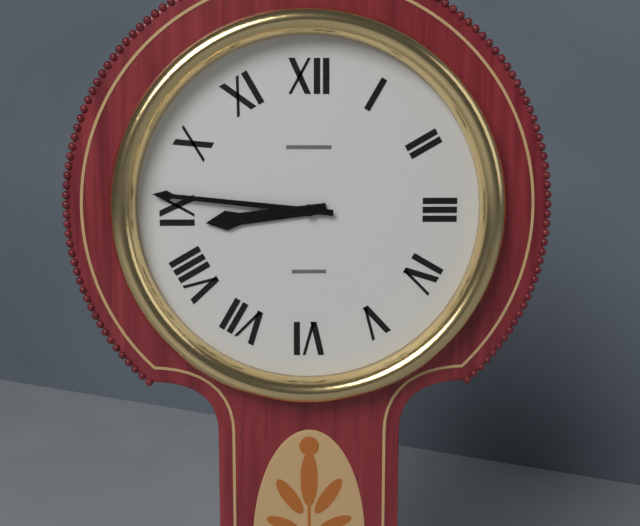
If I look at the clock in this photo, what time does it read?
8:46
